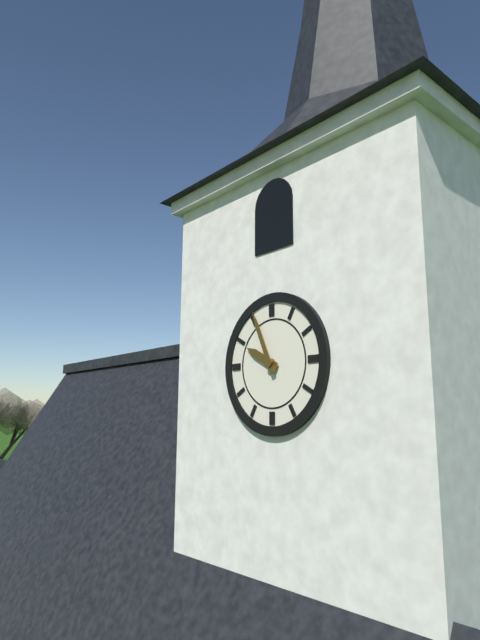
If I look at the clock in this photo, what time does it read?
9:56
